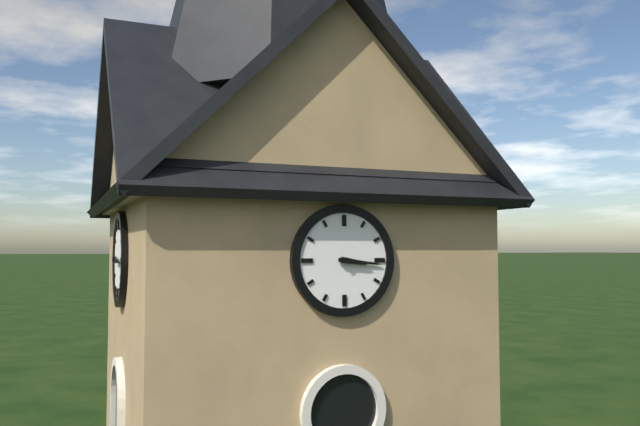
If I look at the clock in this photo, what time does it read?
3:16
